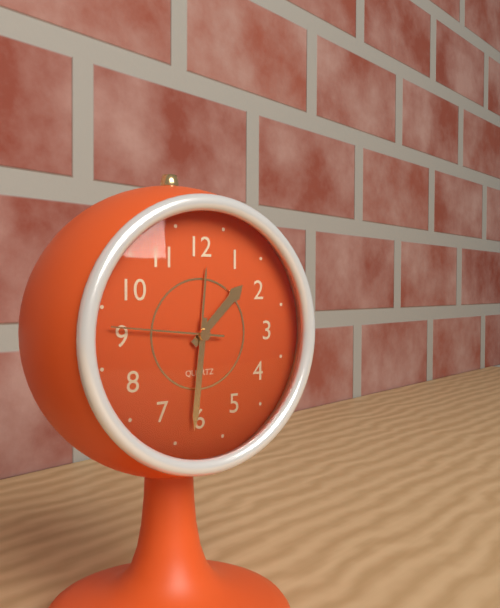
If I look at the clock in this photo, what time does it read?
1:31:46
